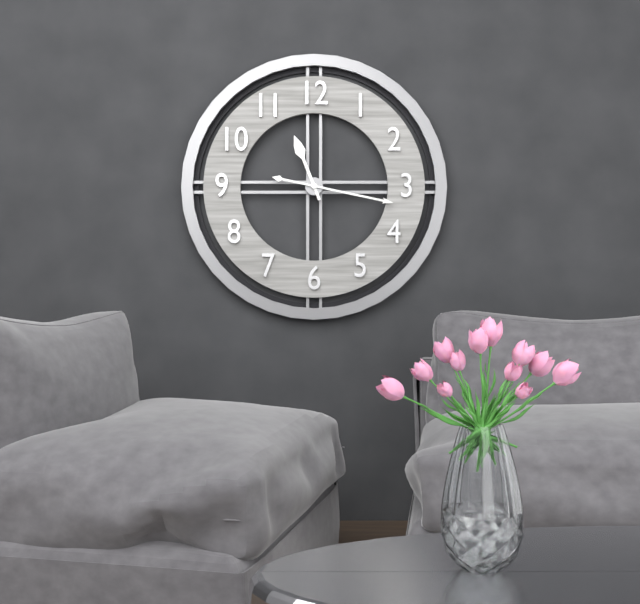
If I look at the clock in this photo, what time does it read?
11:17
